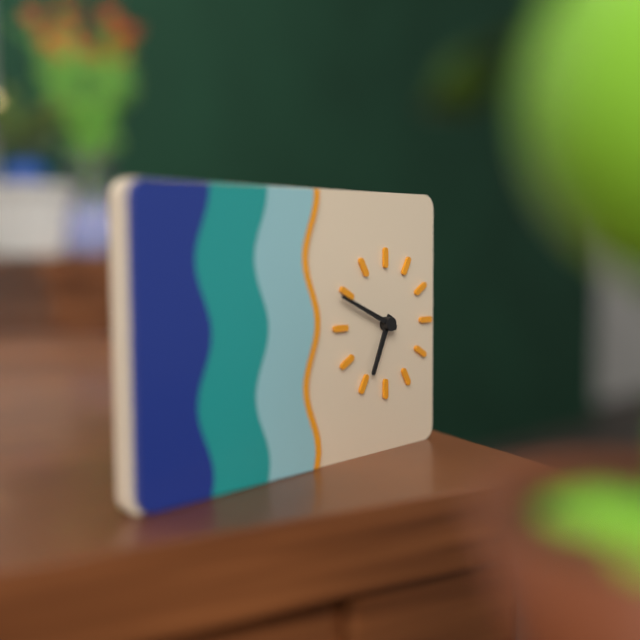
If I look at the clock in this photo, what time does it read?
6:49
